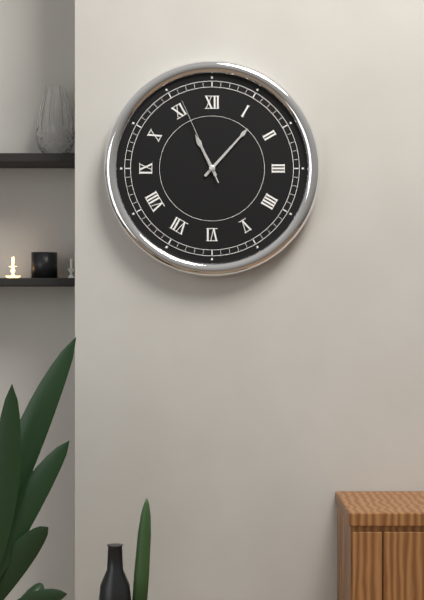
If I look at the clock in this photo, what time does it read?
11:07:56
